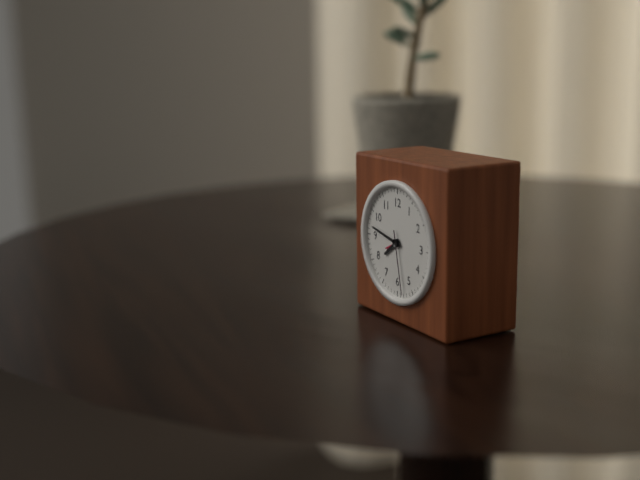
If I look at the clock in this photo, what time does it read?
7:47:28
